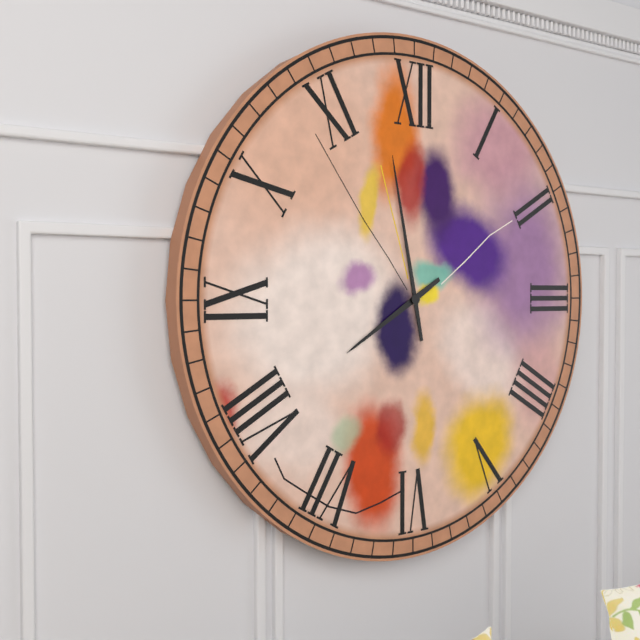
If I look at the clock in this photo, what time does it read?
7:58
